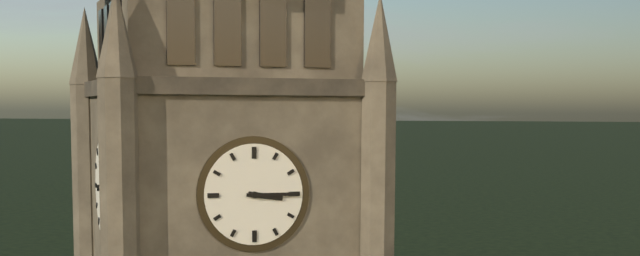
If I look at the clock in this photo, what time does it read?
3:15
